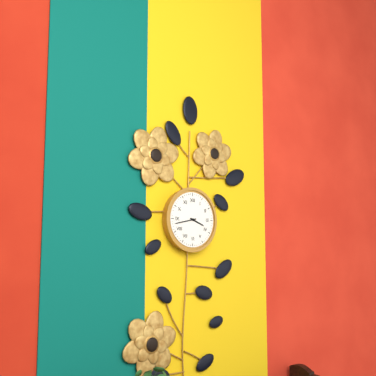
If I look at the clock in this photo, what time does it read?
3:43
